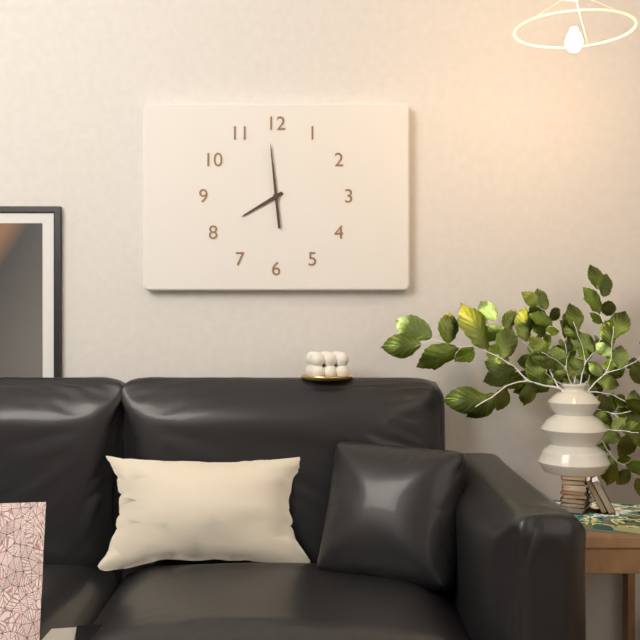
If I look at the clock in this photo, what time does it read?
7:59
